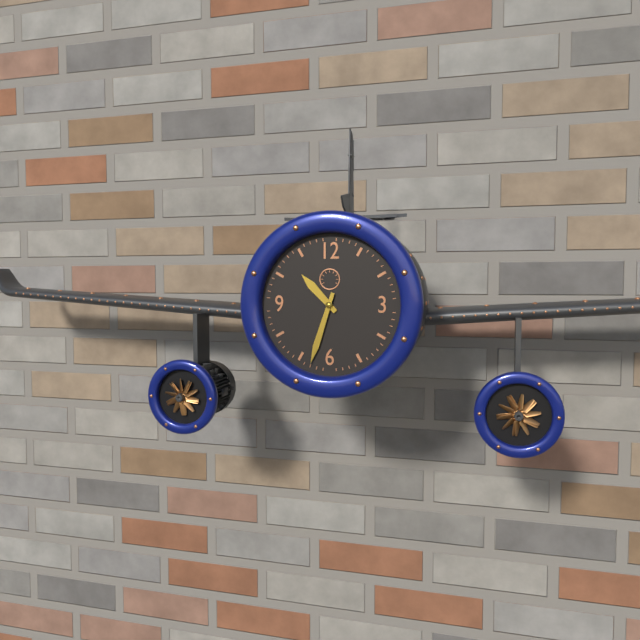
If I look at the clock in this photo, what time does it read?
10:33
